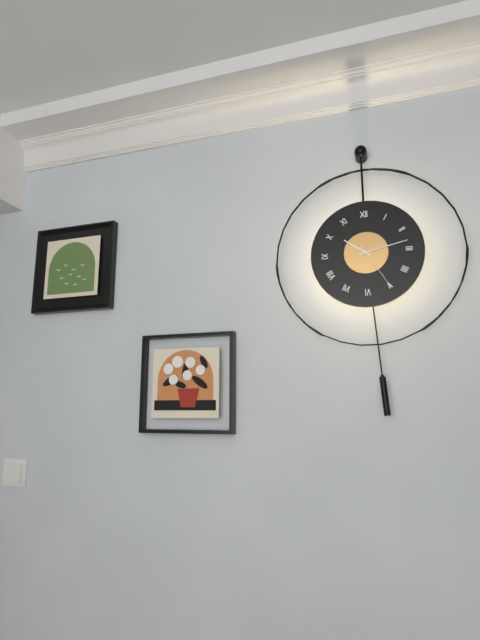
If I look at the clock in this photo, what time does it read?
10:13:25
